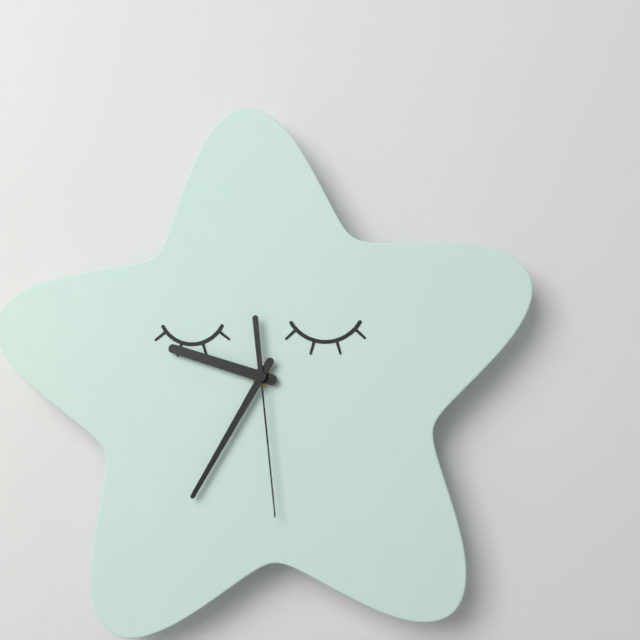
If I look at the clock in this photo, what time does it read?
9:35:29
